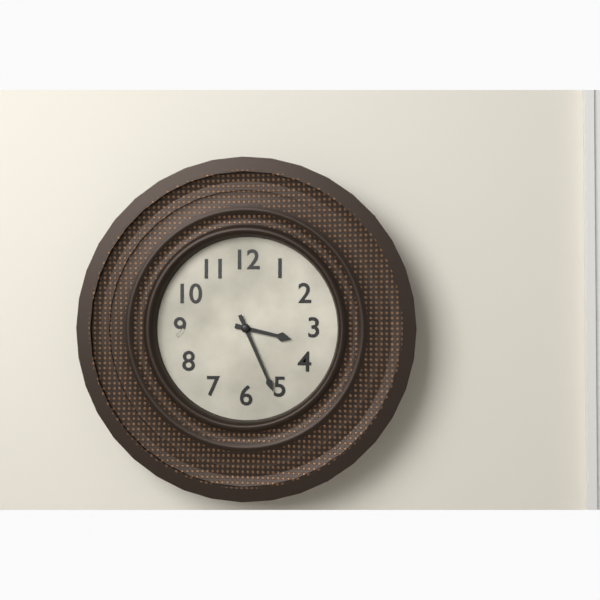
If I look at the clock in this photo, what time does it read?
3:26
